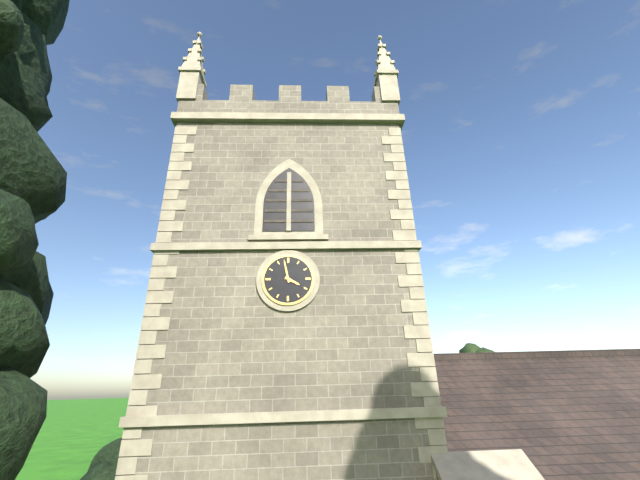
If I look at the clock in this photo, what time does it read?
3:58
